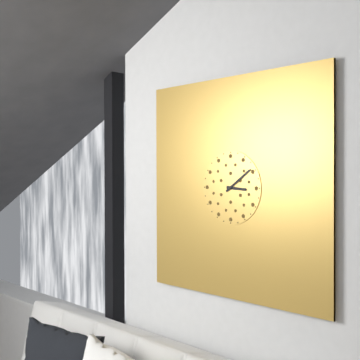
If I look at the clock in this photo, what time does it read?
3:09
